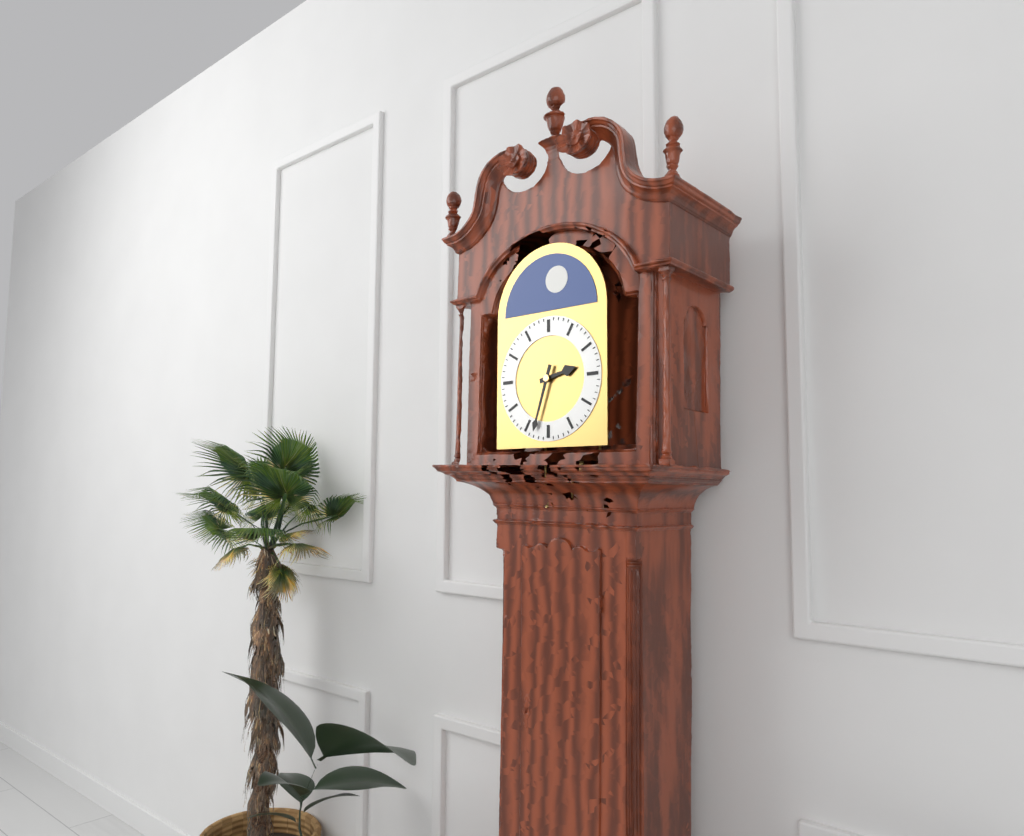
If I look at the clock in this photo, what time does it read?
2:33
